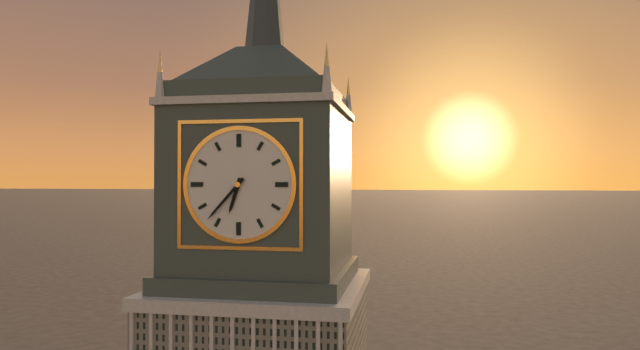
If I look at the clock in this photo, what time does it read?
6:37
